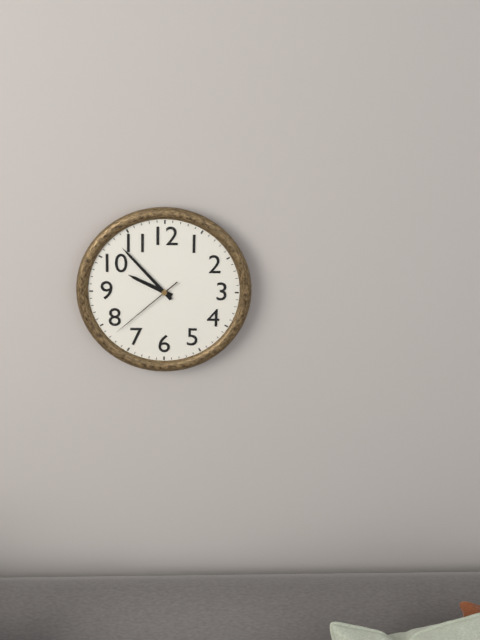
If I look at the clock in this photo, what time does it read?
9:53:38
